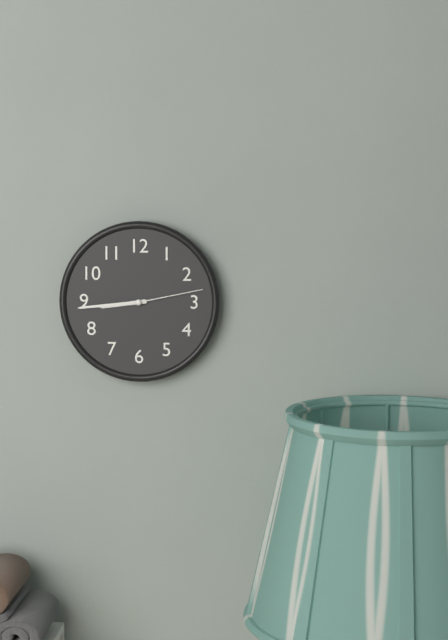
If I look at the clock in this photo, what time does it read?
8:44:13
